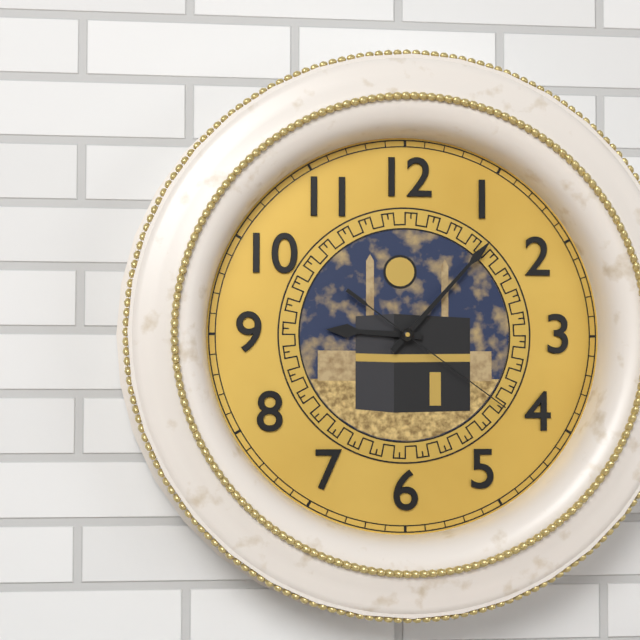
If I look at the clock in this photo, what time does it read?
9:07:21
